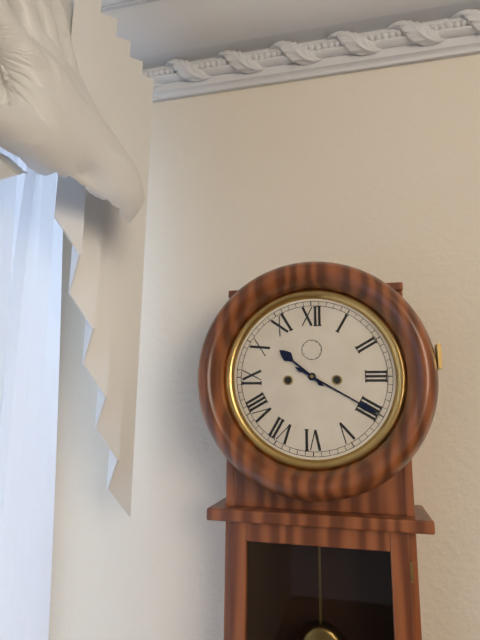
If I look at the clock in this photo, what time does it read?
10:20
